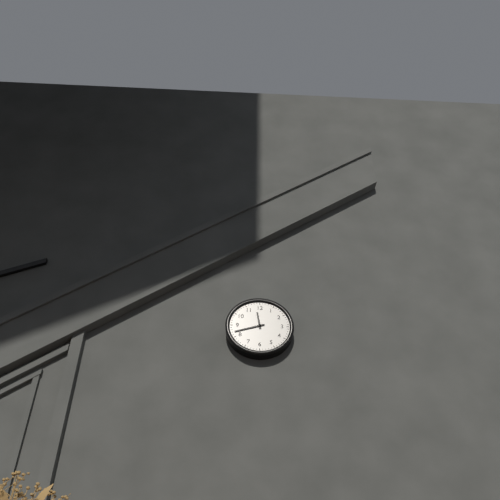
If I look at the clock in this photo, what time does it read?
11:42
